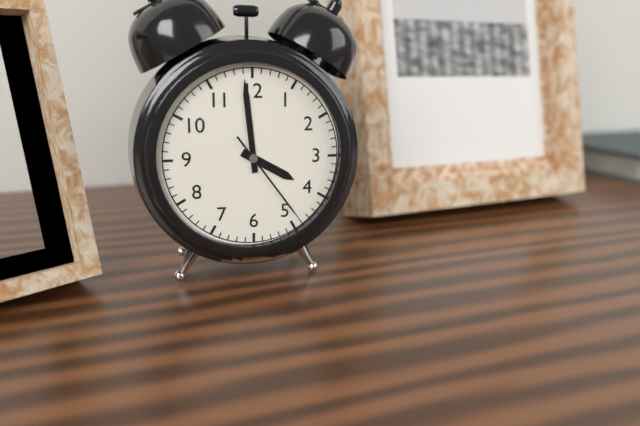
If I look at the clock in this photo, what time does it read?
3:59:24
